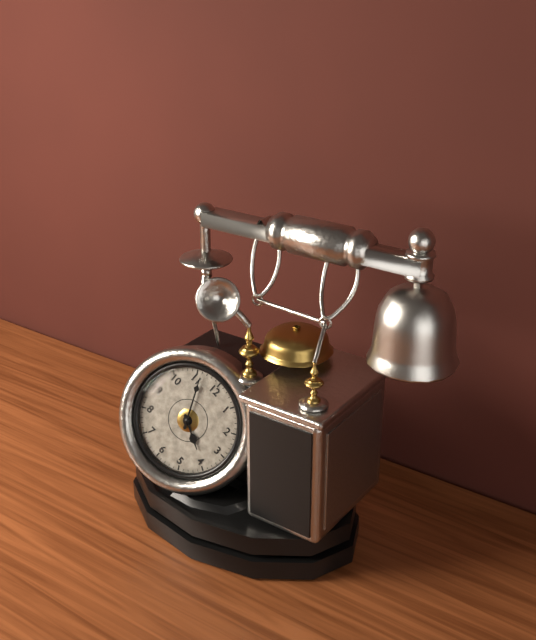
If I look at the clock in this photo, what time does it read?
3:56
